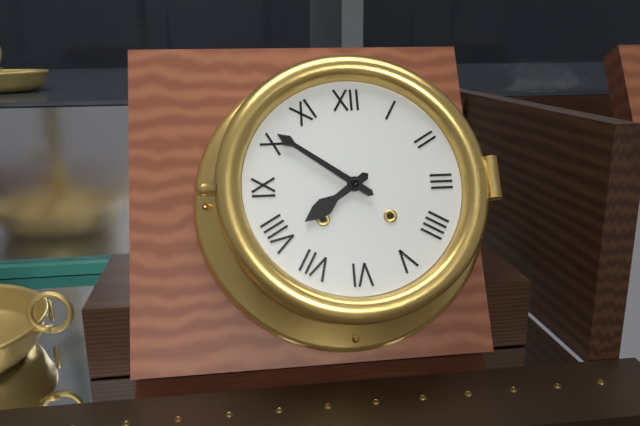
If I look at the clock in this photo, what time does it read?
7:51
